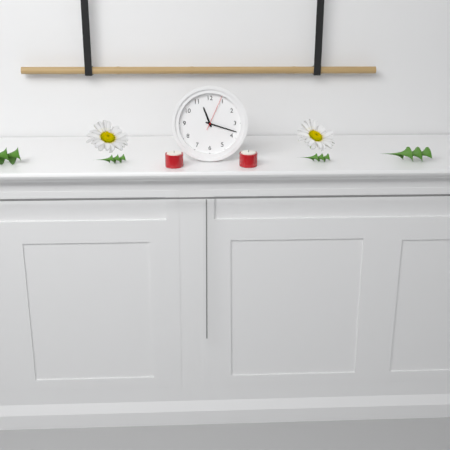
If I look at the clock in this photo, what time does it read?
11:18
